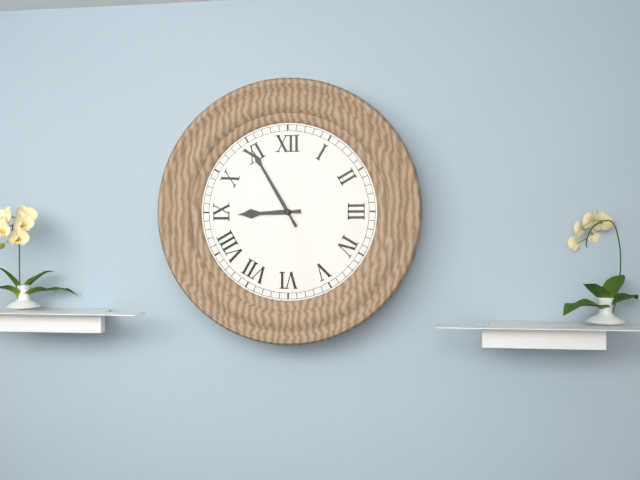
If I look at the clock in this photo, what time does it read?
8:55
